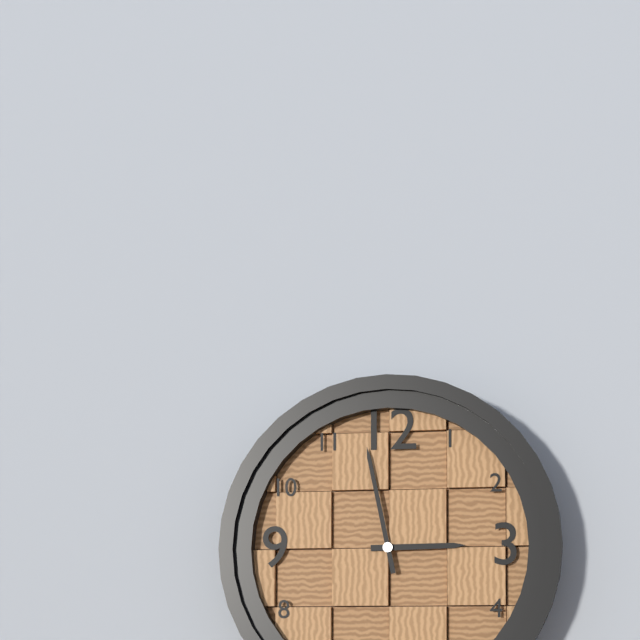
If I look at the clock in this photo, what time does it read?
2:58
